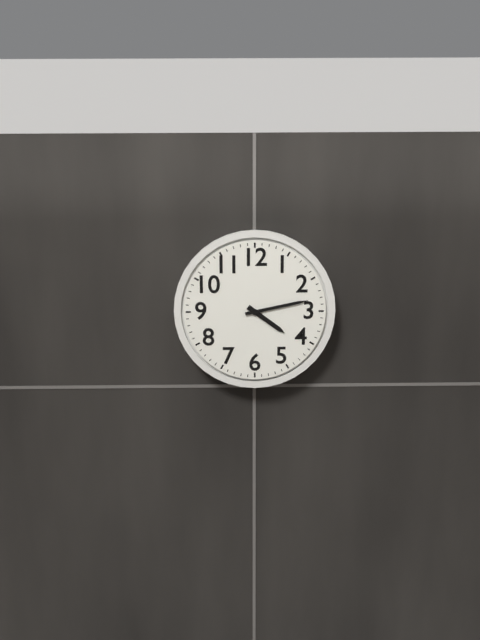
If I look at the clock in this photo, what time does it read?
4:13
